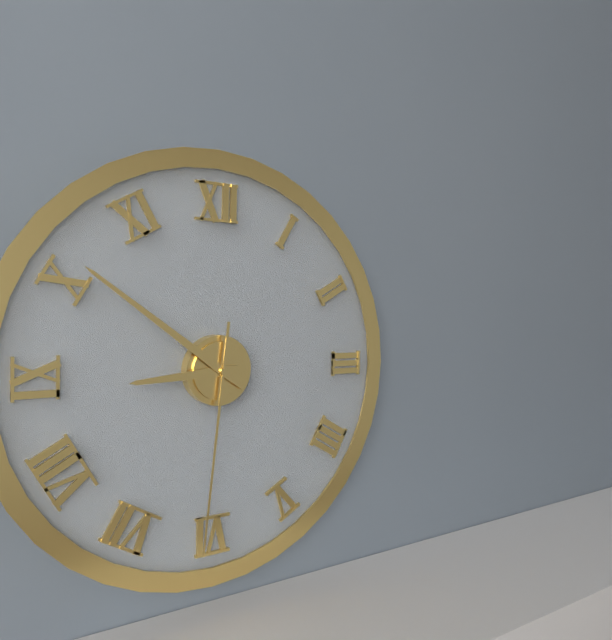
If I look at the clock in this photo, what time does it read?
8:51:31
